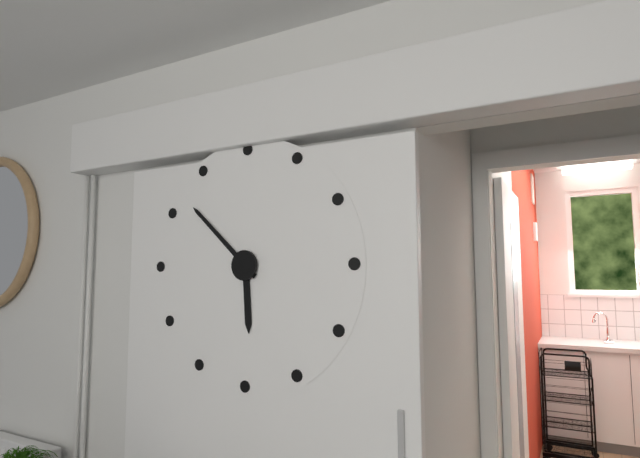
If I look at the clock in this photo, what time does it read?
5:52
